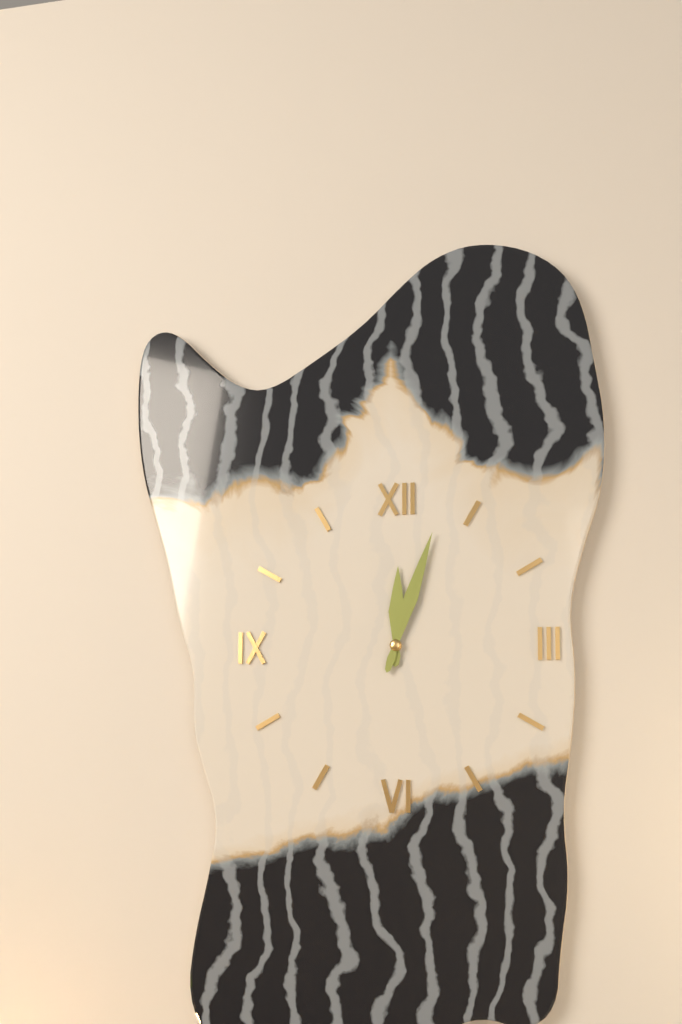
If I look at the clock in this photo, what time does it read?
12:03
